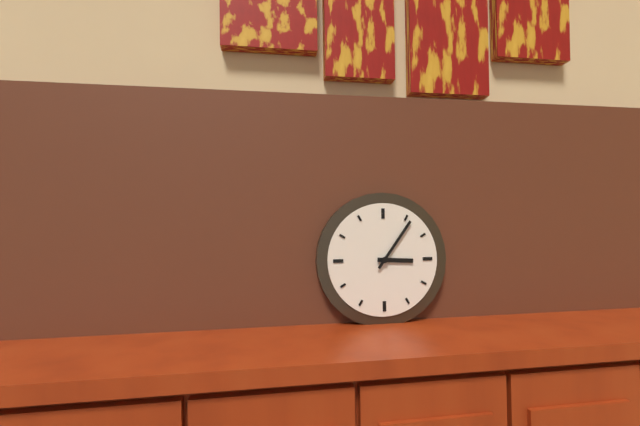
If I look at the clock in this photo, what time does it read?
3:06
